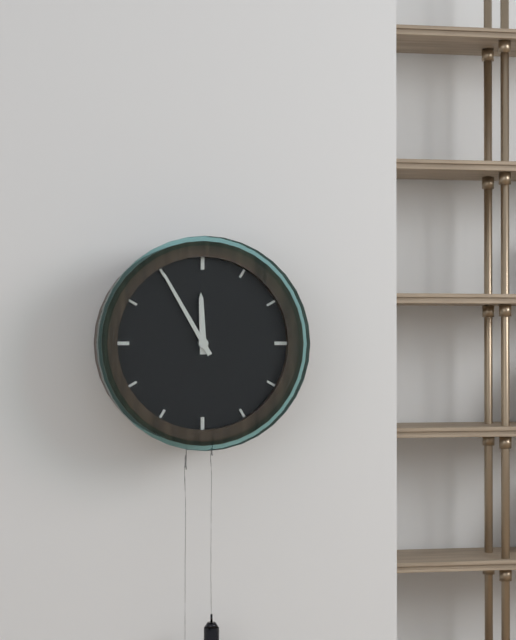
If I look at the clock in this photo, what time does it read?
11:55
